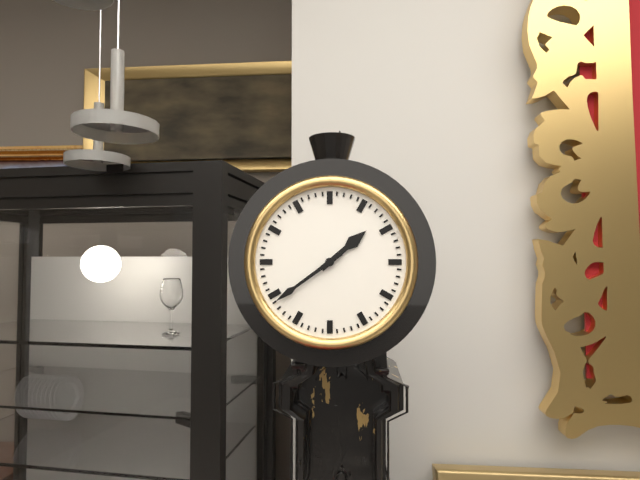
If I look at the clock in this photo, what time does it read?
1:39
